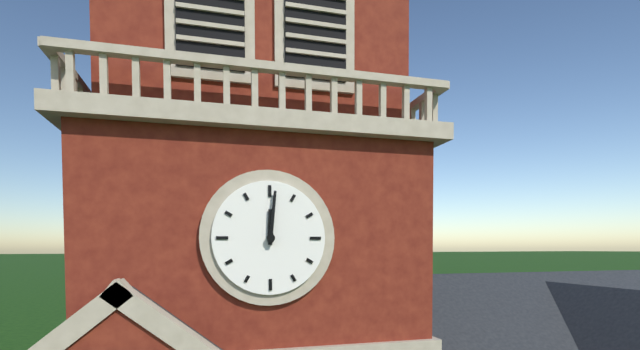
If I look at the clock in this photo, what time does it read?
12:01
